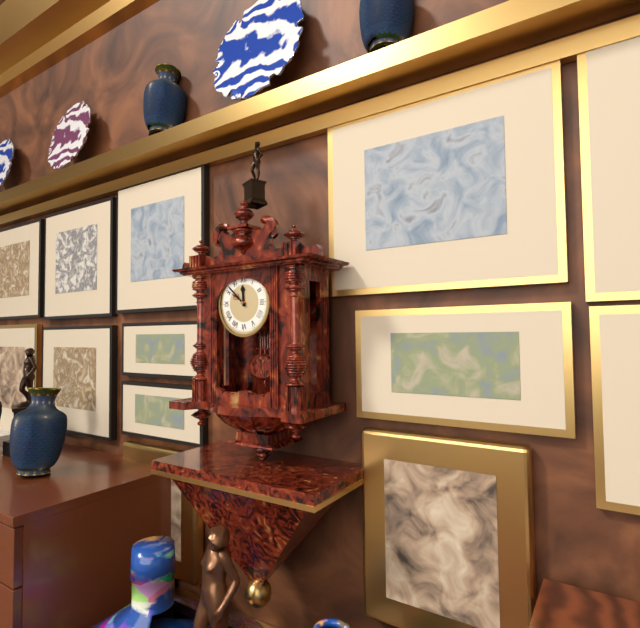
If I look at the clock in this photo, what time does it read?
11:52
